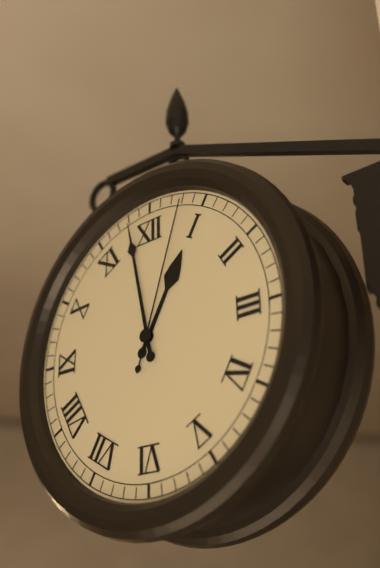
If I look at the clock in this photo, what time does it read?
12:58:03
